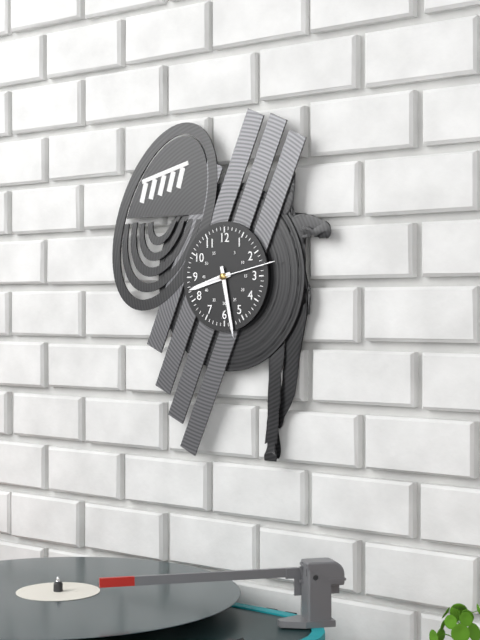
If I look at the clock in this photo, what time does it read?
8:28:13
